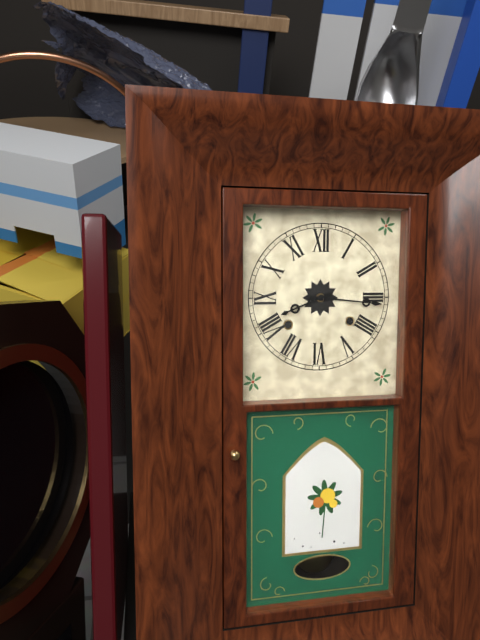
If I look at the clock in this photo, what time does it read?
8:16
